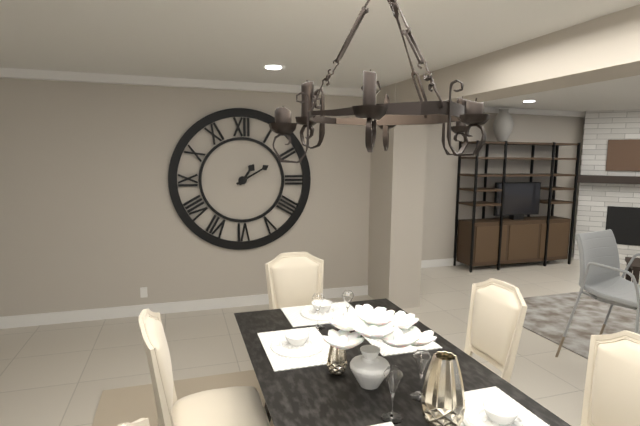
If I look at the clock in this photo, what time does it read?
1:10
